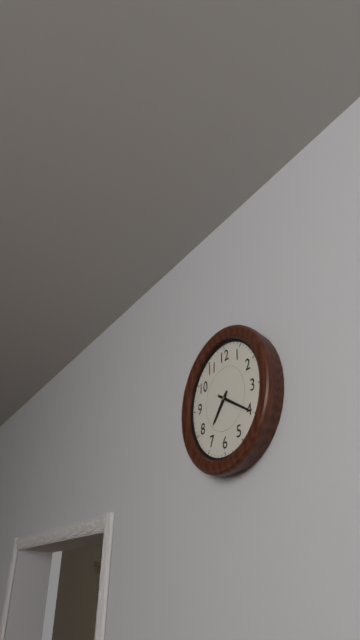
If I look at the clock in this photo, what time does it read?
7:20
